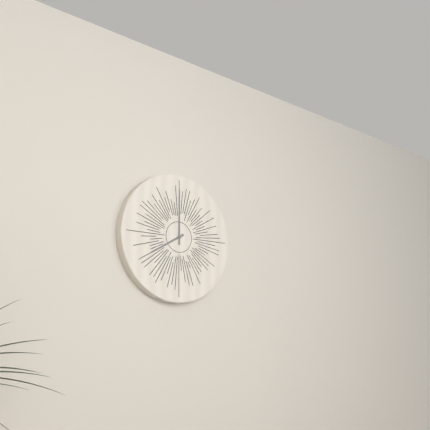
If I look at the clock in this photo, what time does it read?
8:00
